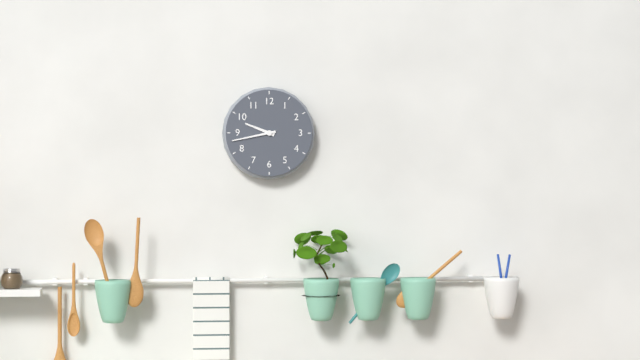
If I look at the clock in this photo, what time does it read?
9:43
